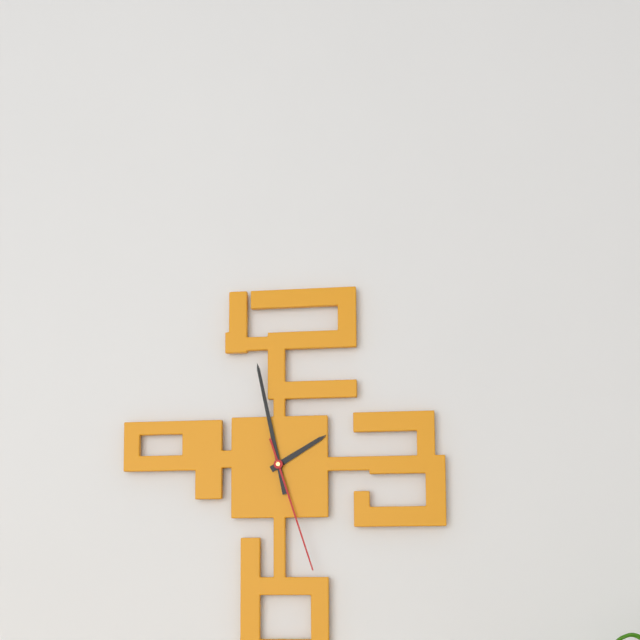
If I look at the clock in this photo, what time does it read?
1:58:27
